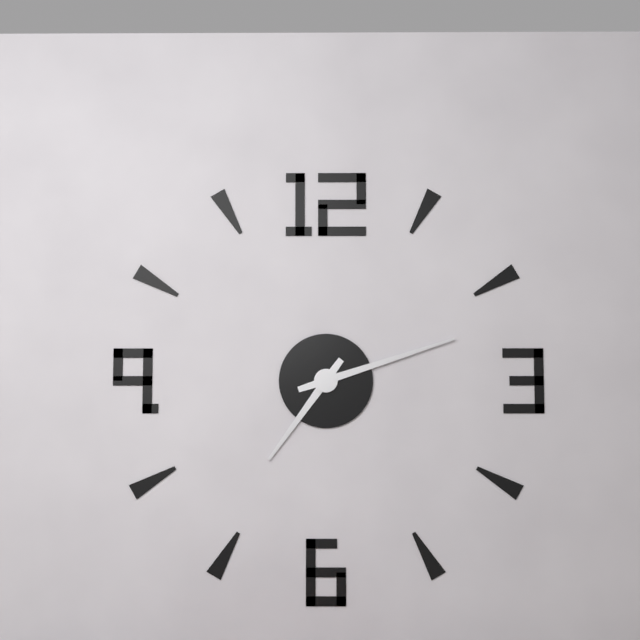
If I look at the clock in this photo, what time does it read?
7:12
